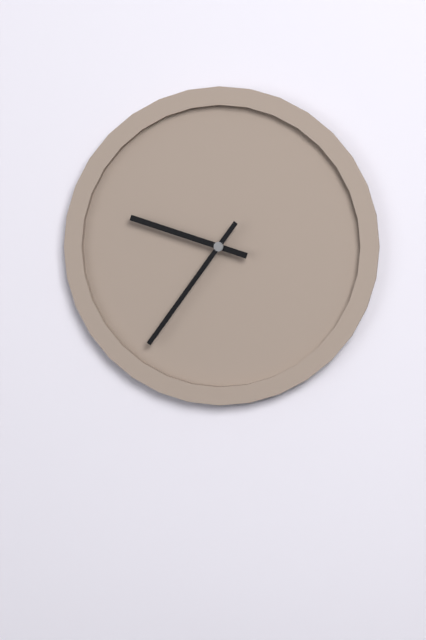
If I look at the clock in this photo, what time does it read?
9:36
